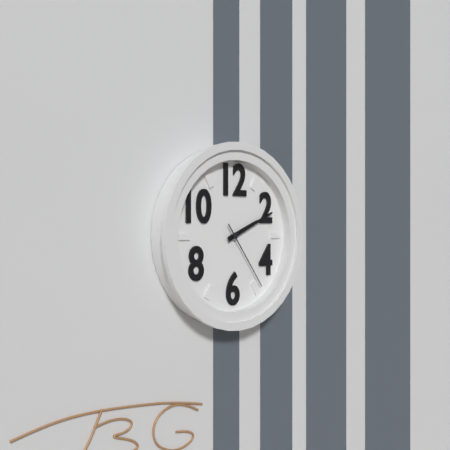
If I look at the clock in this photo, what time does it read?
2:11:24
